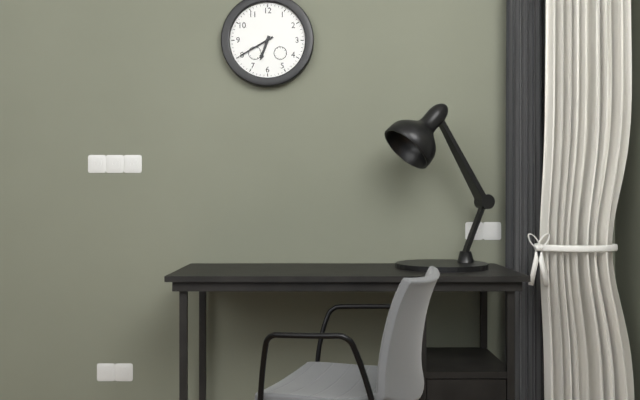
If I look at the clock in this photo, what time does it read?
6:40
